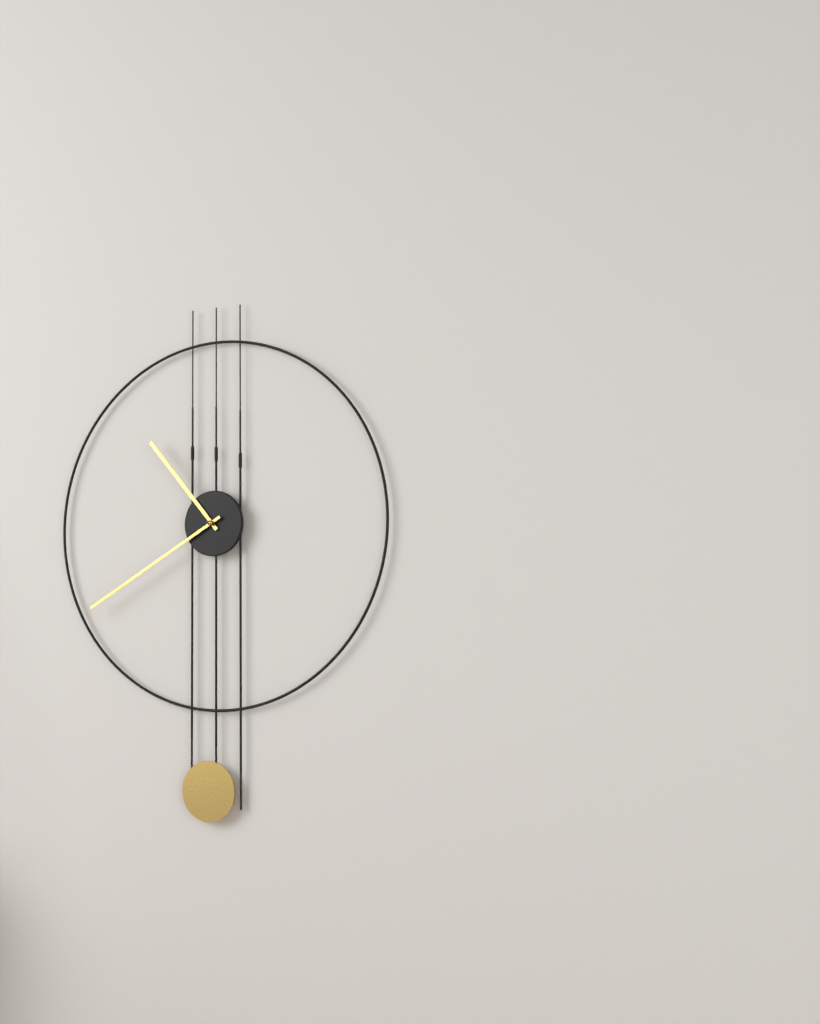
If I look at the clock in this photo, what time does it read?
10:40
